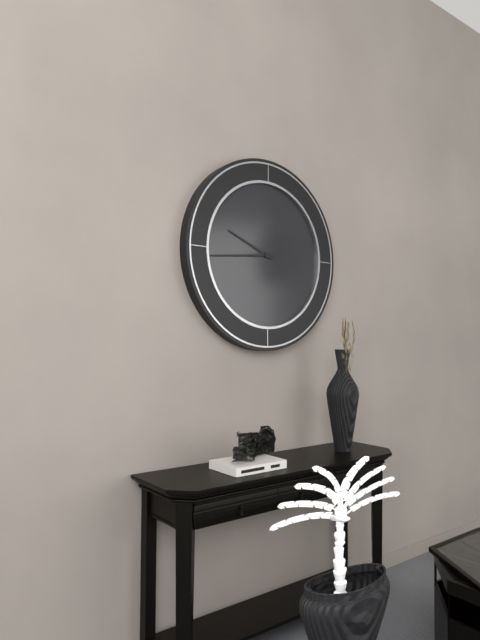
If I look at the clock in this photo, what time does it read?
9:44
